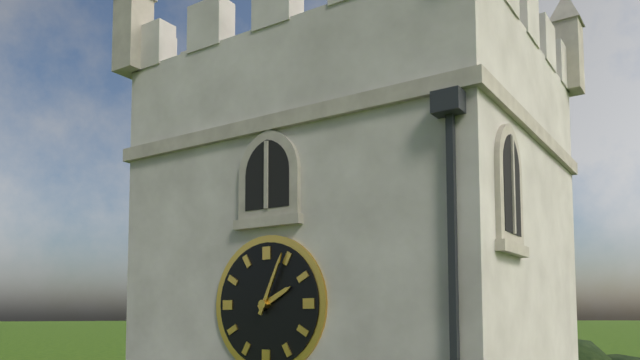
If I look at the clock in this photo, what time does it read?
2:04
